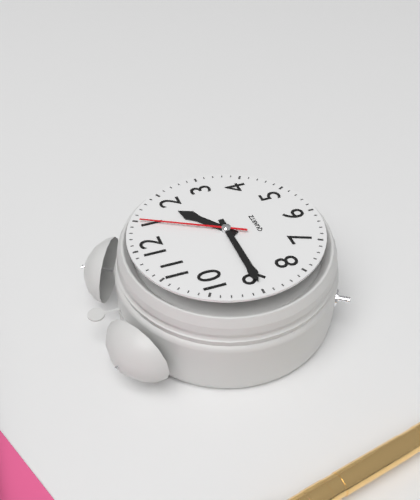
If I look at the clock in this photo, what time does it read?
1:45:05
